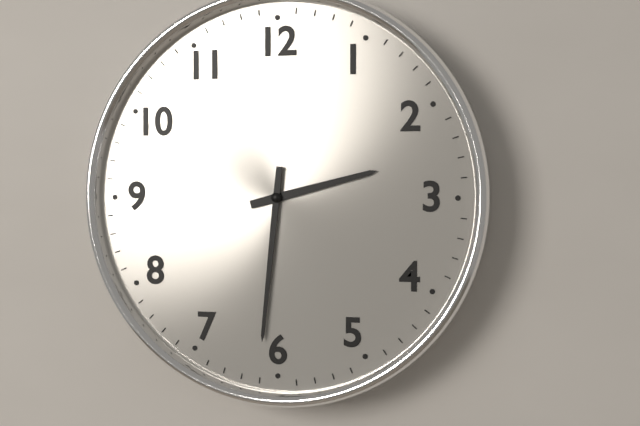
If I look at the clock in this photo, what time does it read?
2:31
